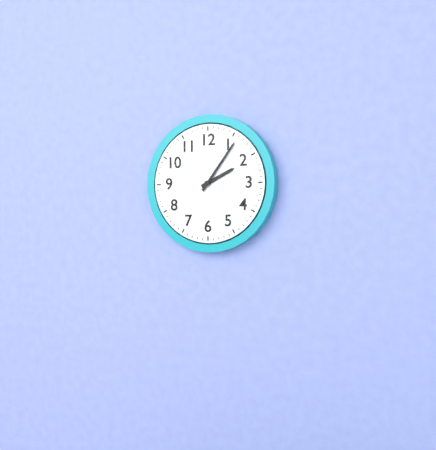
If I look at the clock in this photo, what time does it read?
2:06
